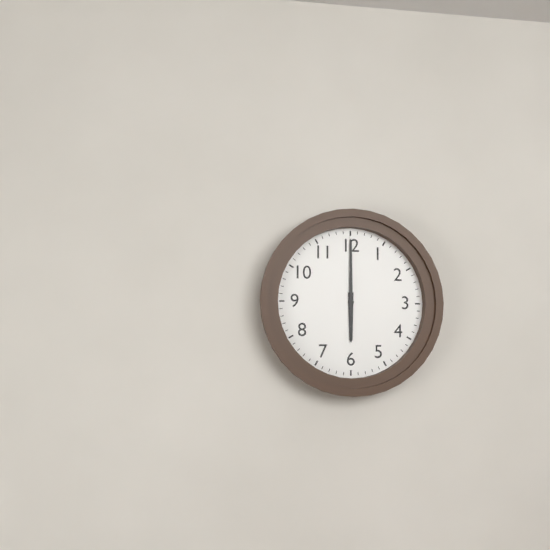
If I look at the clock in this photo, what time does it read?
6:00
